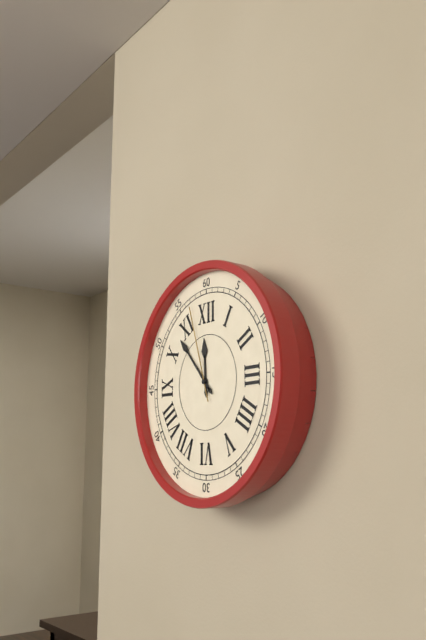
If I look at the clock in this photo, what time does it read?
11:53:57
